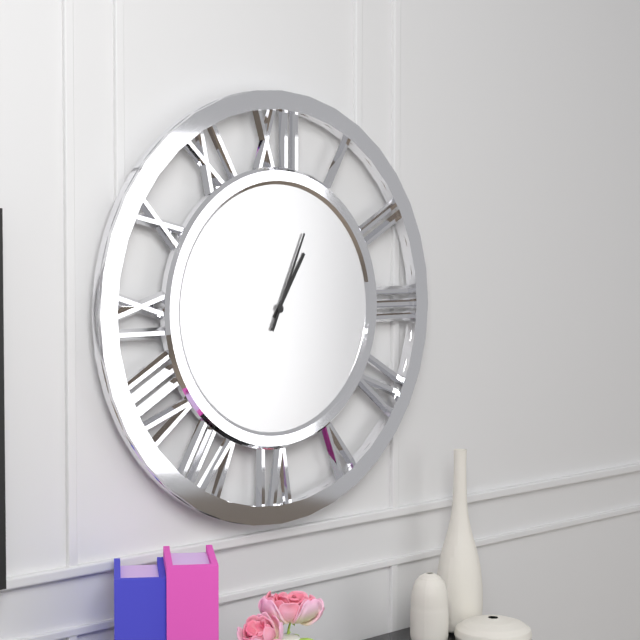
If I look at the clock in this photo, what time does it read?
1:04
